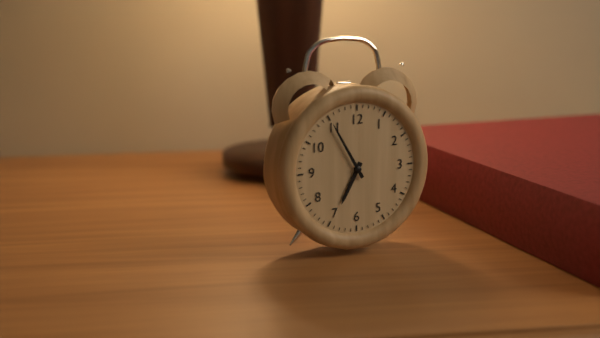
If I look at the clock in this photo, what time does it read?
6:55
